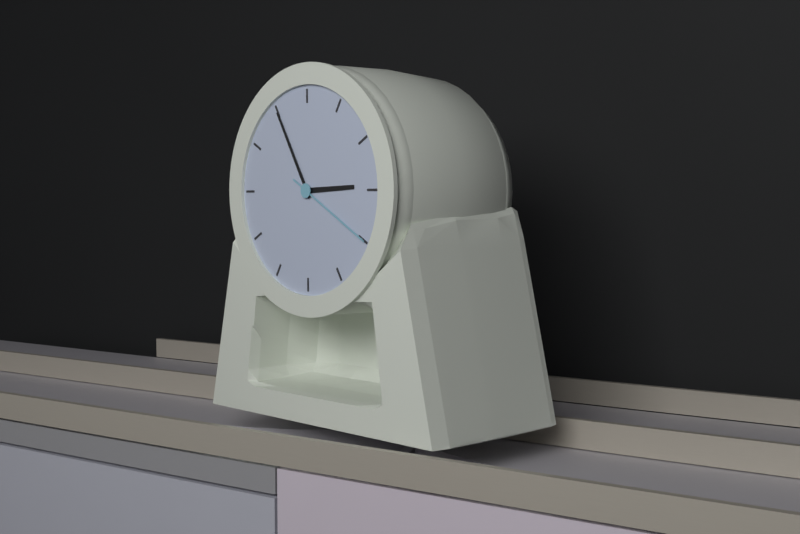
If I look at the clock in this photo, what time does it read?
2:55:20
